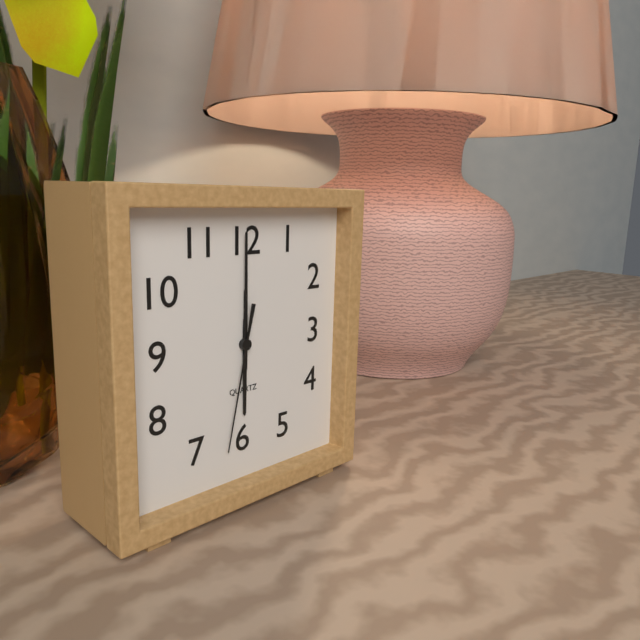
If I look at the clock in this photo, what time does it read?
6:00:32
